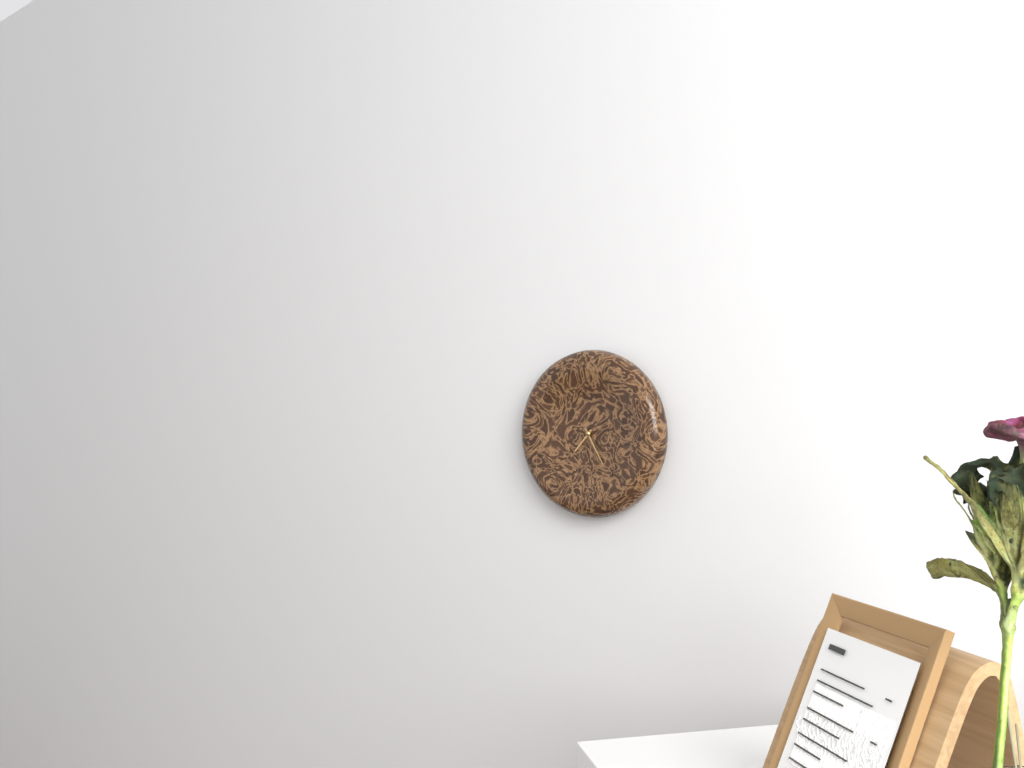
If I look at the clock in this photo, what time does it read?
7:25
